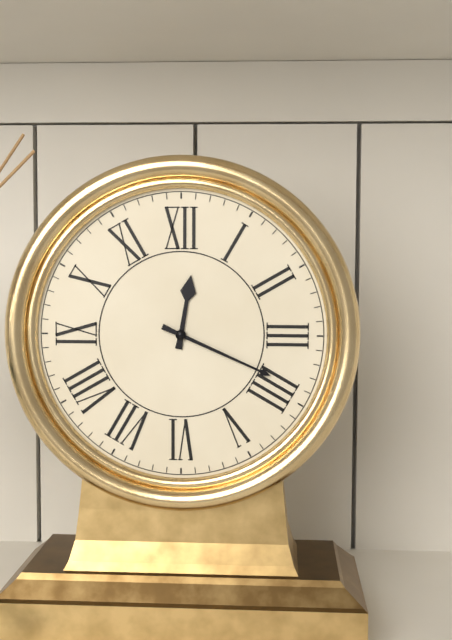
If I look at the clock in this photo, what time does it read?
12:19
